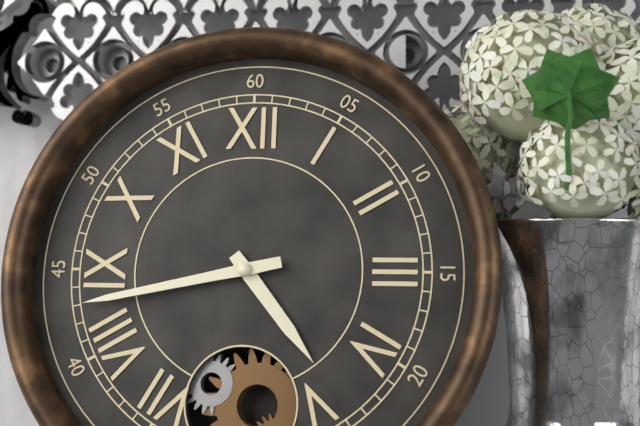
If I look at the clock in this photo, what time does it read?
4:43
